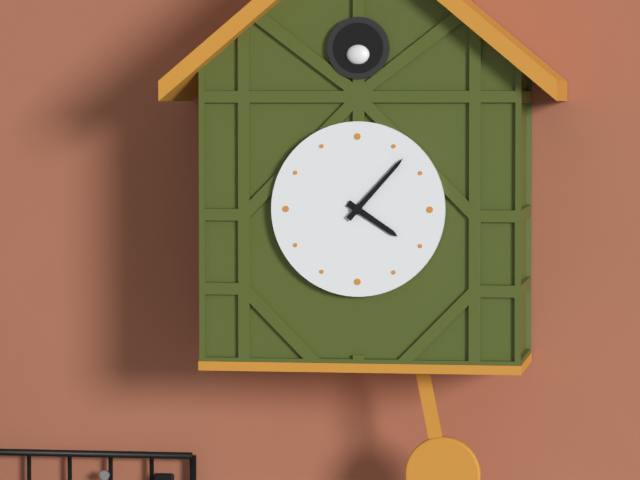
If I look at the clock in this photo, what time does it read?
4:07
